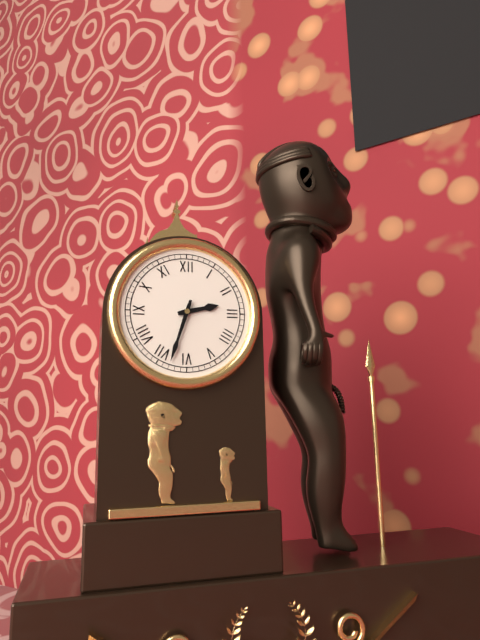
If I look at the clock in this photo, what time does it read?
2:33
